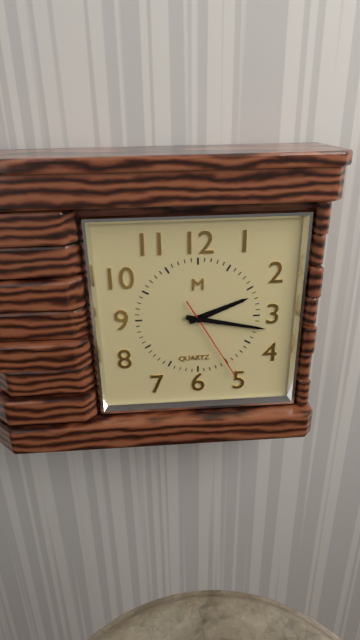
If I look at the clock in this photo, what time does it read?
2:17:25
